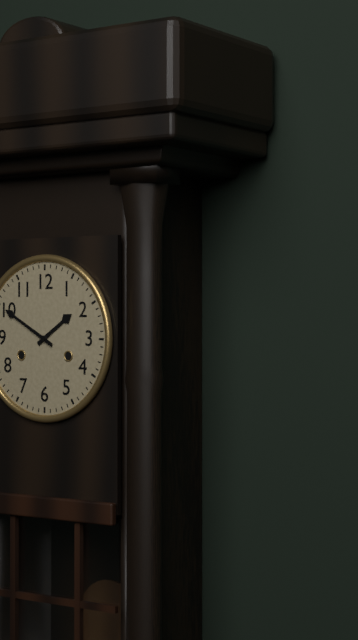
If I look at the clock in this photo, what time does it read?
1:50
